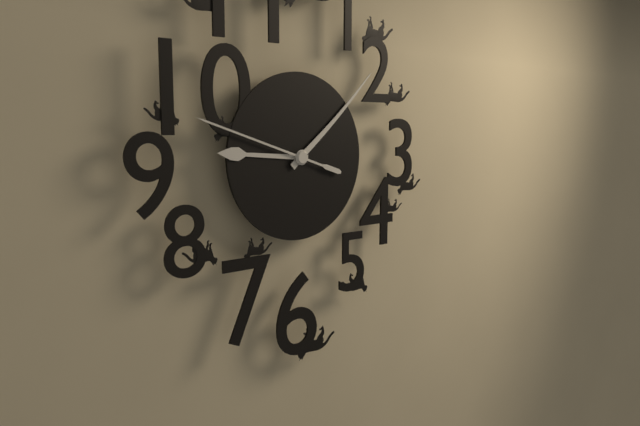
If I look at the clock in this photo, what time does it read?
9:08:48
